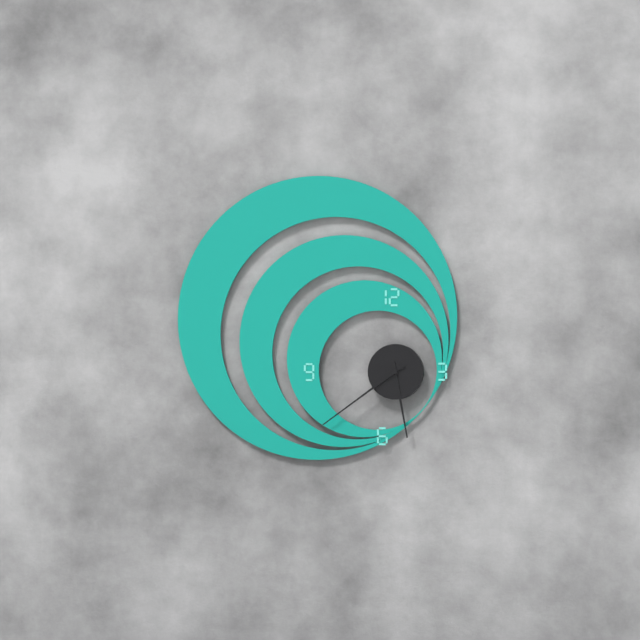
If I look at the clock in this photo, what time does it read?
5:39
